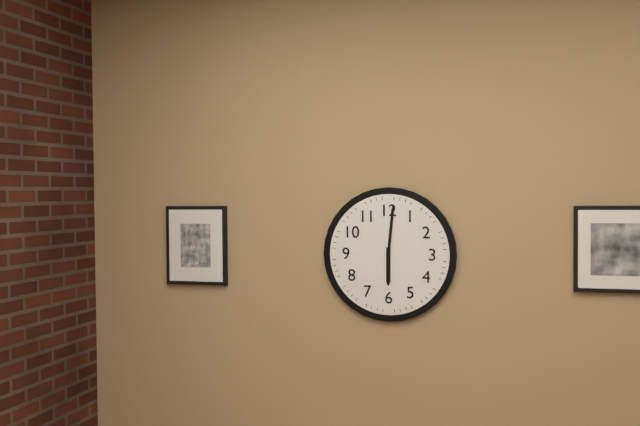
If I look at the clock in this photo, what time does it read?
6:01
